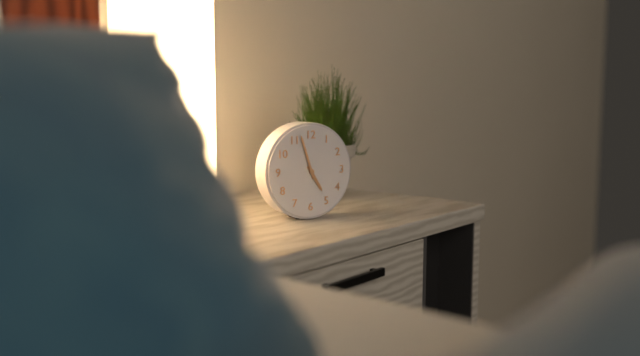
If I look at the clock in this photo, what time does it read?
4:57
